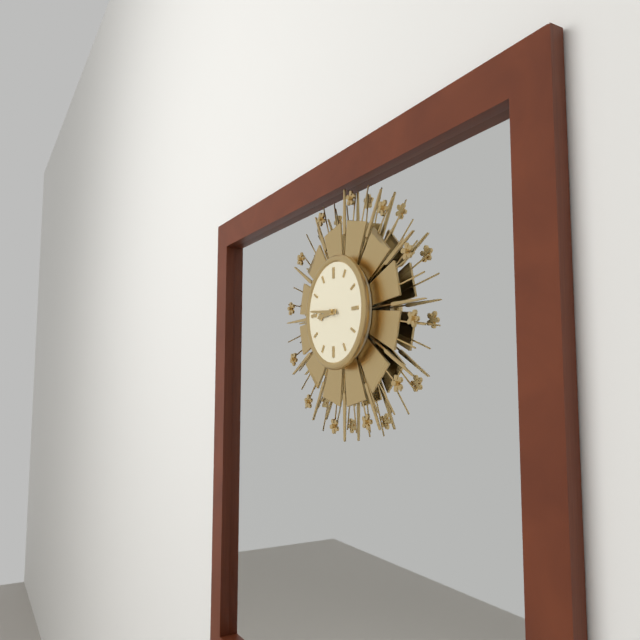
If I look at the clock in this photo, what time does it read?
8:46
